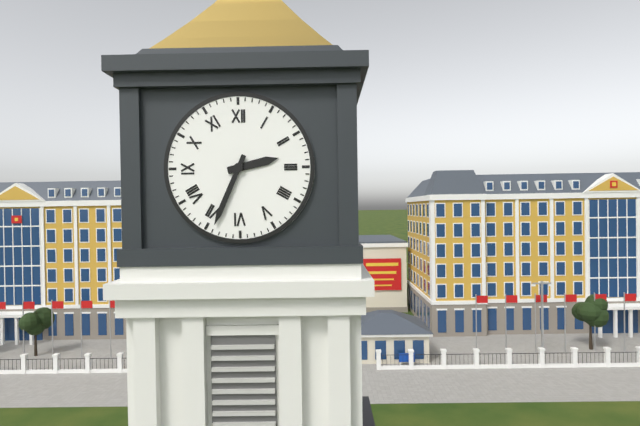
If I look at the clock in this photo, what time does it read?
2:34
